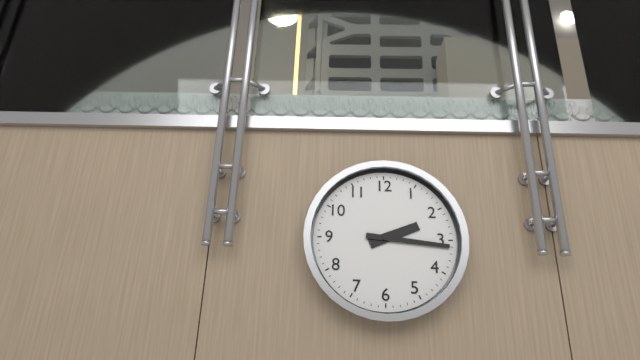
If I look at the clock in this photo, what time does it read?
2:16
